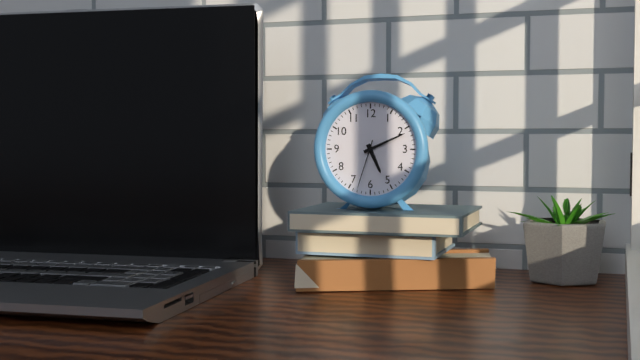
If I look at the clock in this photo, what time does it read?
5:11:33
